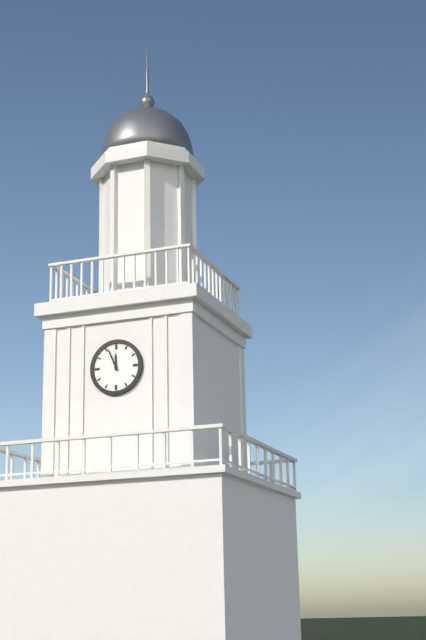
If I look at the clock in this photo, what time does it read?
11:56
